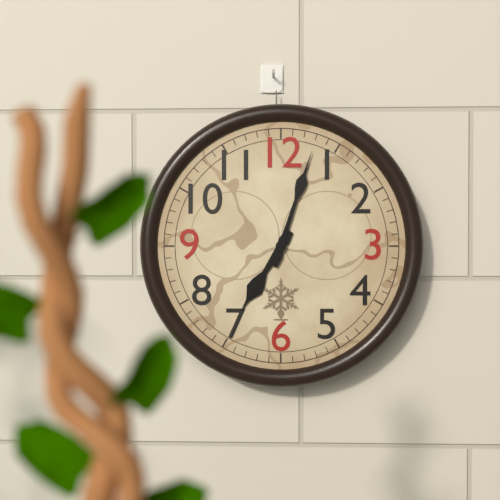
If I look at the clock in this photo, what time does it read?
7:03
